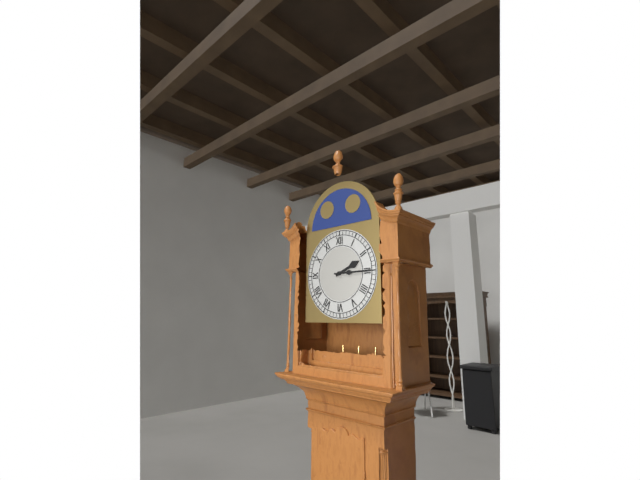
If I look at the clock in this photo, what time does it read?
2:15
